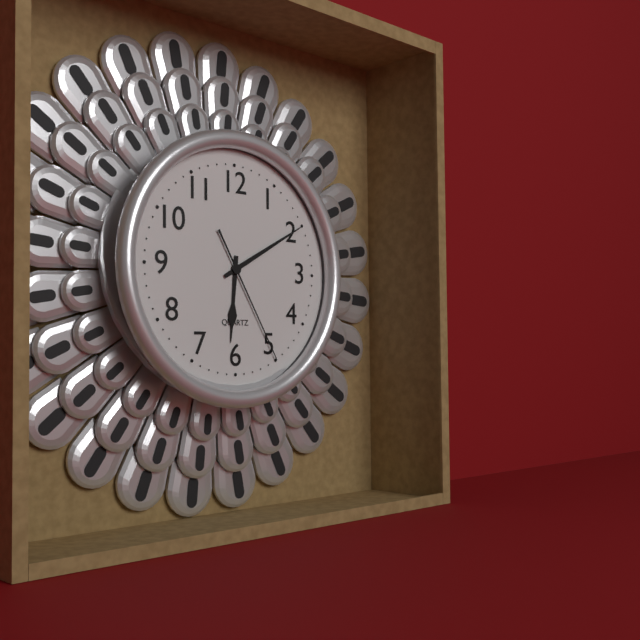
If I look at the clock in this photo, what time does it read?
6:10:25
